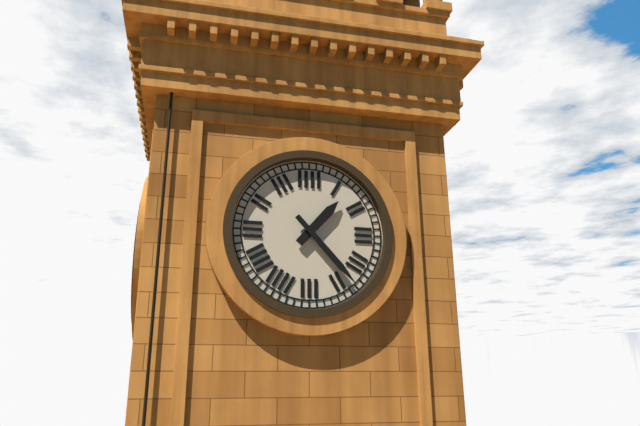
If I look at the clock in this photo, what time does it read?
1:23
